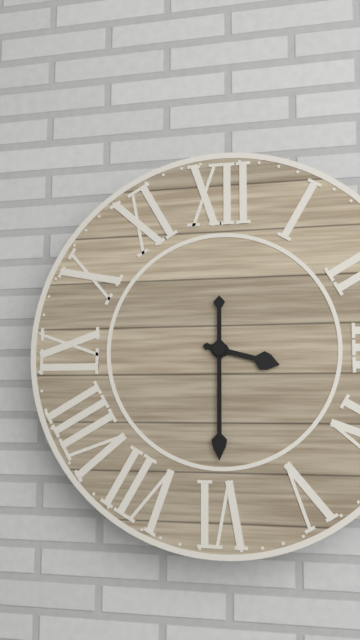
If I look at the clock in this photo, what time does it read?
3:30
